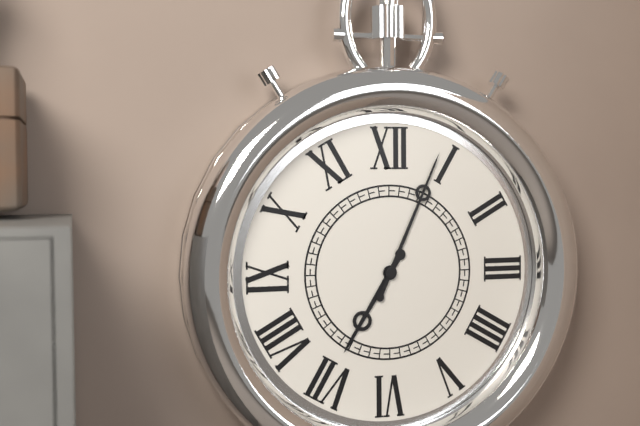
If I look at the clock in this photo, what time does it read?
7:04
